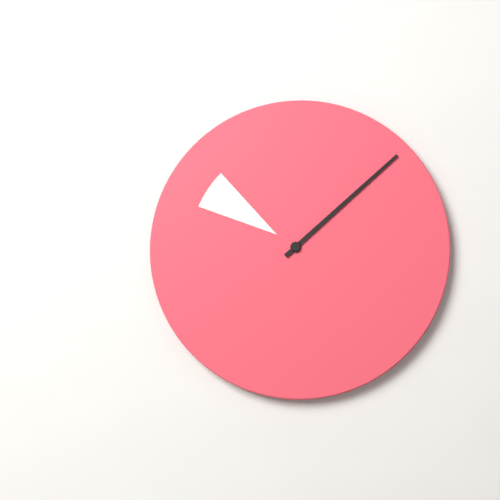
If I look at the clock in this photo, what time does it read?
10:08
